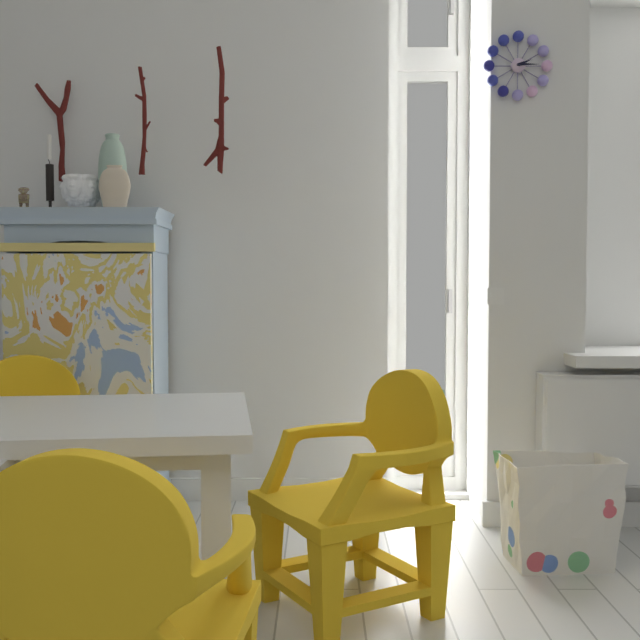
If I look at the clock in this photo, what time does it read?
2:15
